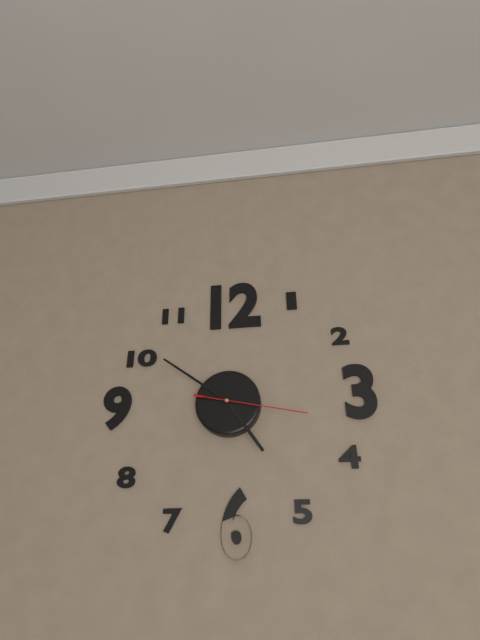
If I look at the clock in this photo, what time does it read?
4:51:17
